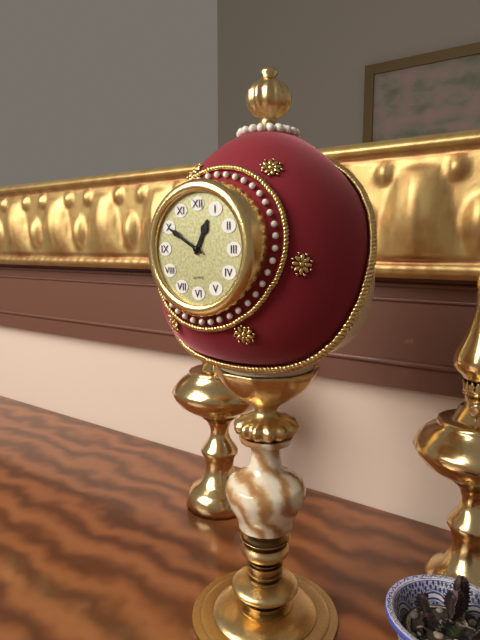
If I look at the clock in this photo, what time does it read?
12:50
